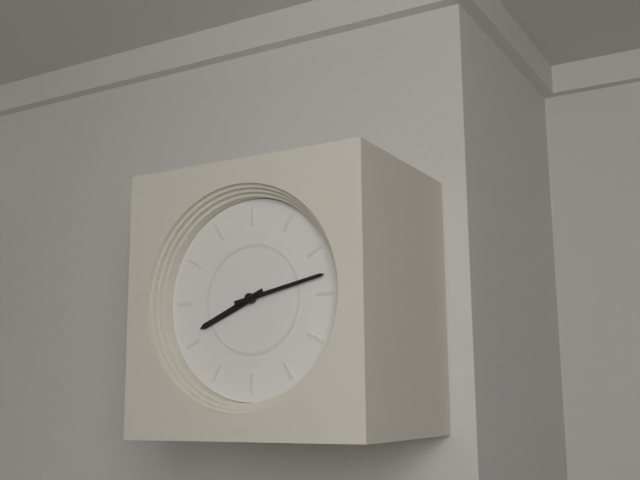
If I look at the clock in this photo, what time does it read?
8:13
